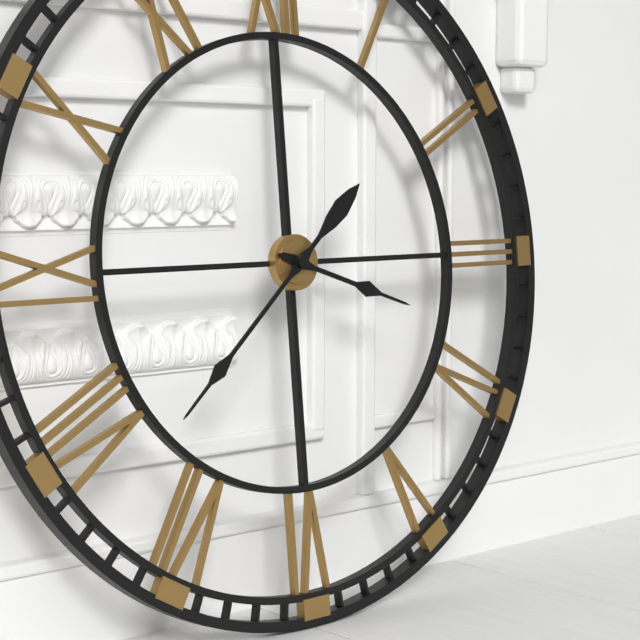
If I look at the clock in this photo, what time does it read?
3:38
